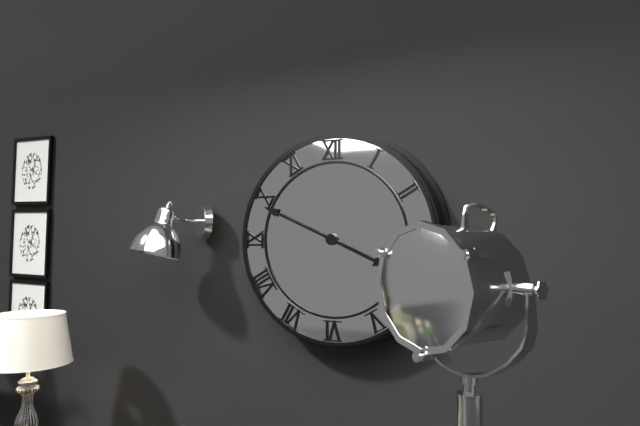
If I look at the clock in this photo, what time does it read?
3:49
